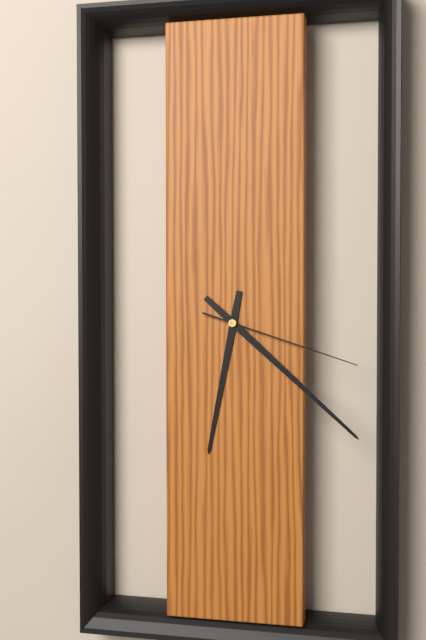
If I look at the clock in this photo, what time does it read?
6:22:18
